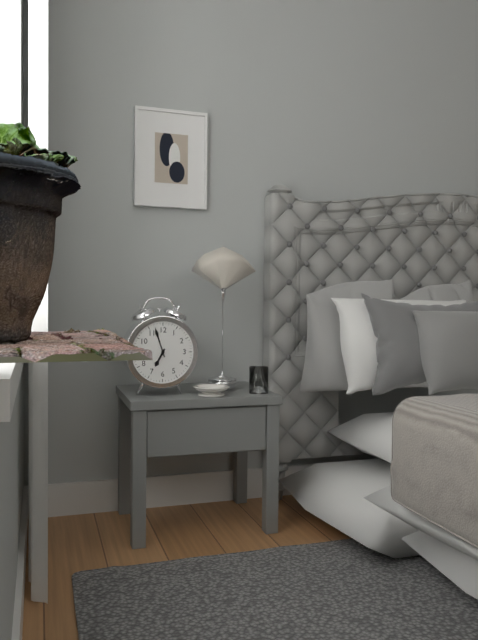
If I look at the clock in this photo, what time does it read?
6:57
